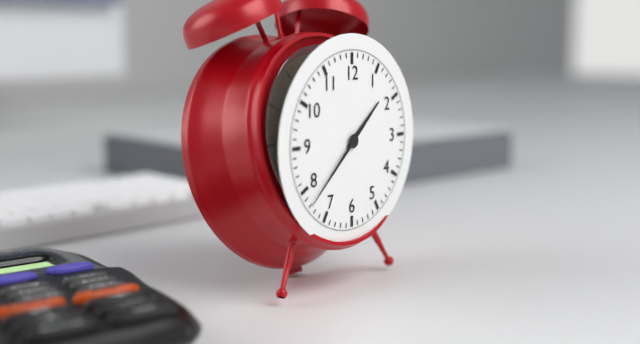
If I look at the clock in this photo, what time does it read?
1:38
